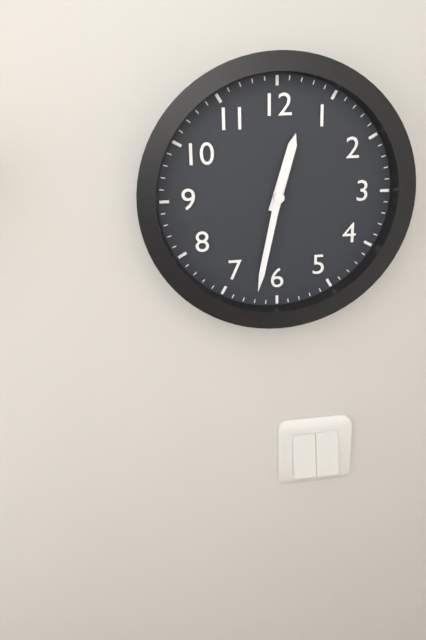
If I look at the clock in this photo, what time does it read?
12:32
